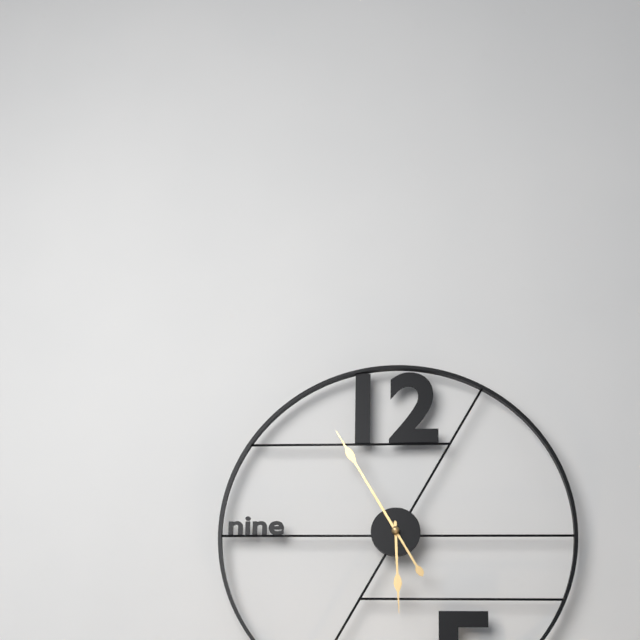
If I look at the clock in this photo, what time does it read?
5:55
